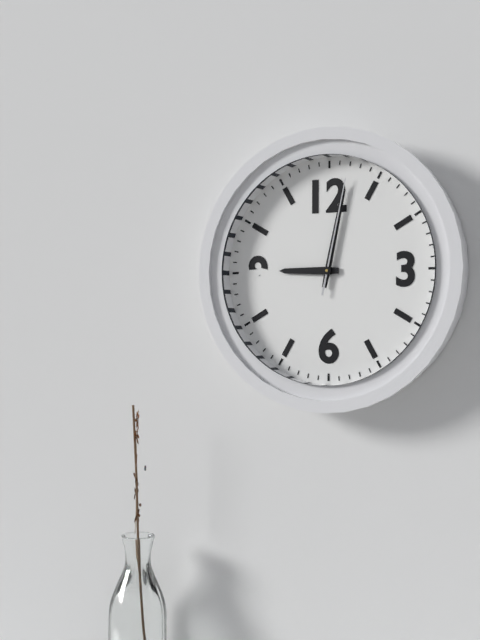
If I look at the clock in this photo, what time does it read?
9:02:02
